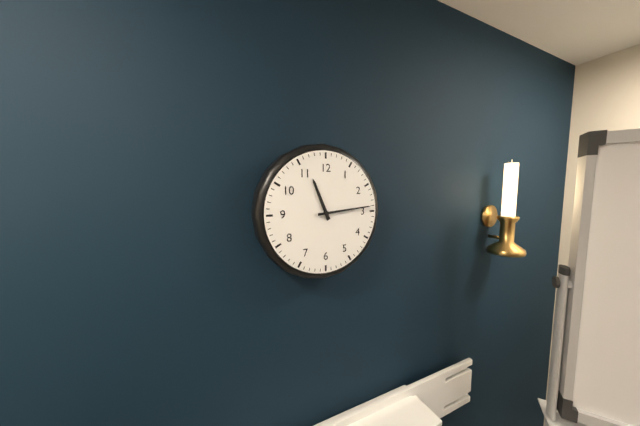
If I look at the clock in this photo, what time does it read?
11:14
